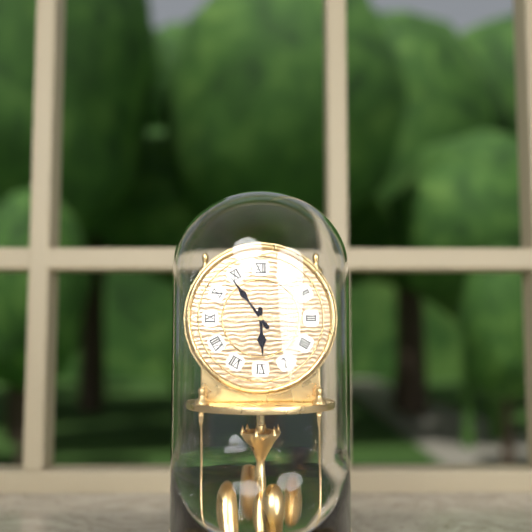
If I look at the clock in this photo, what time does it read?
5:54
